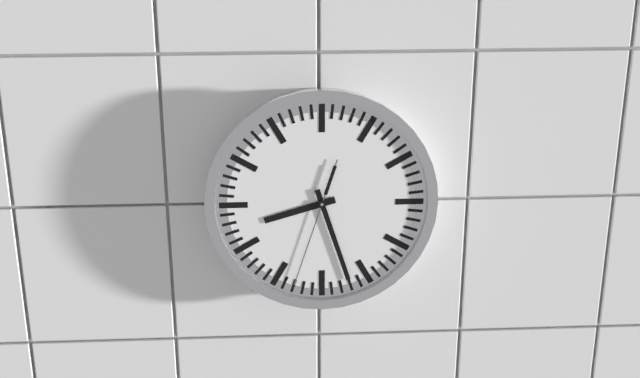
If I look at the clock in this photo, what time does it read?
8:27:33
